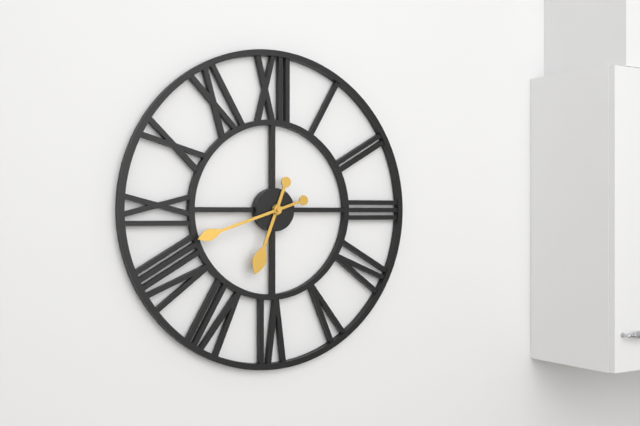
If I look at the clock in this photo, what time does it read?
6:42
